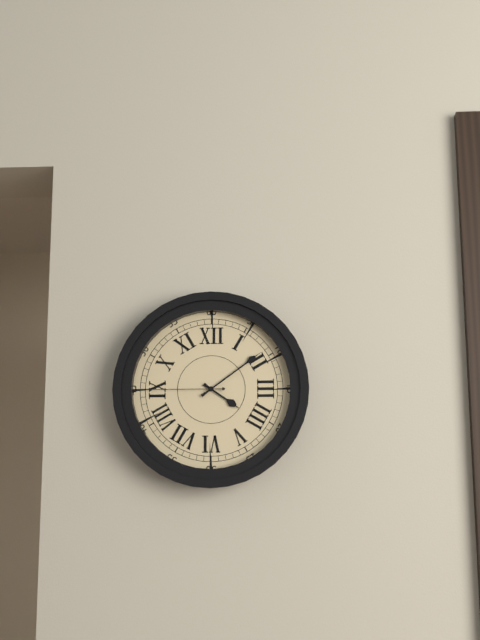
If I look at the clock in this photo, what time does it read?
4:09:45
